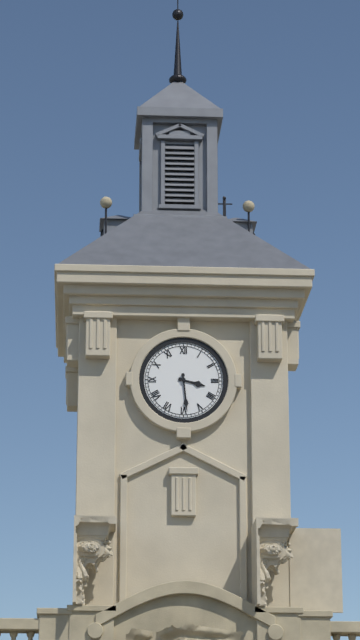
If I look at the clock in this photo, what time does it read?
3:29
